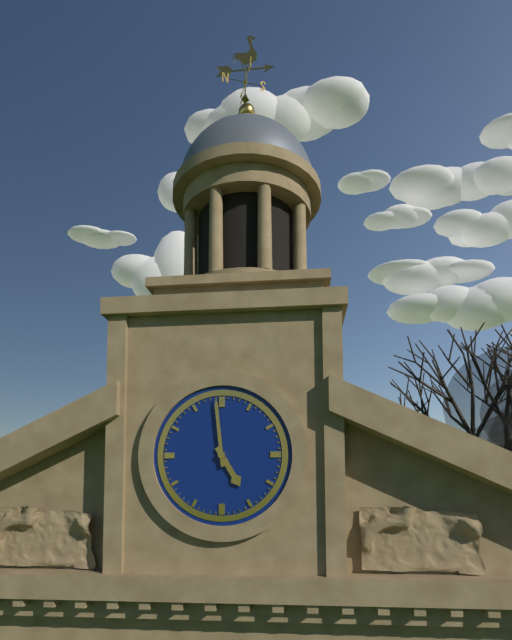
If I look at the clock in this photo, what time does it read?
4:59
